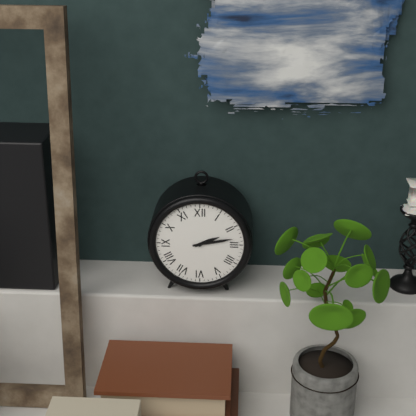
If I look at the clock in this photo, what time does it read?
2:13
